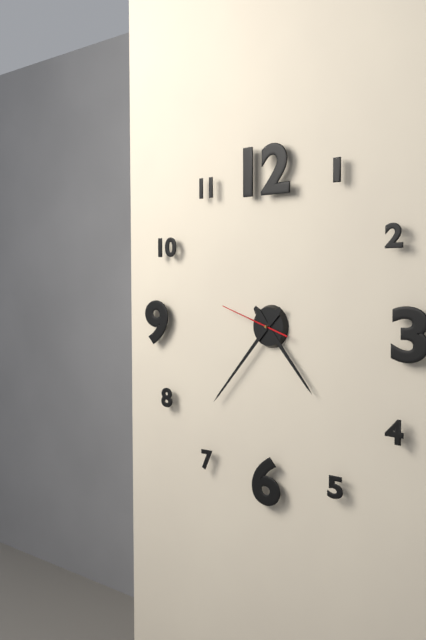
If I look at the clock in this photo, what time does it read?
4:37:48
